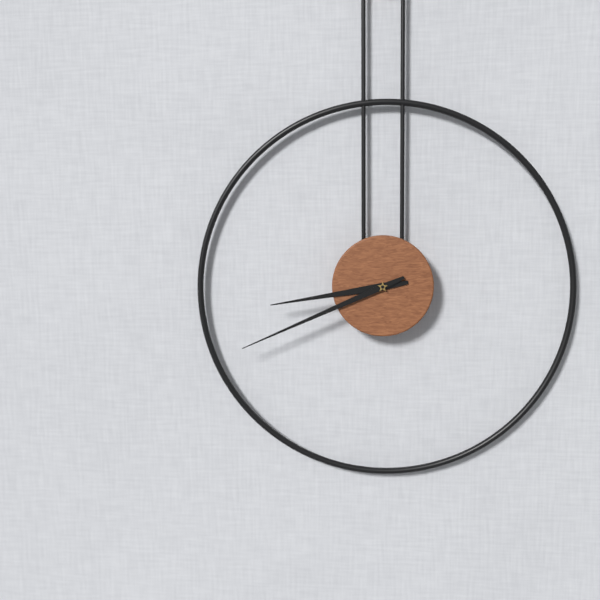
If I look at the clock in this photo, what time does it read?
8:41
